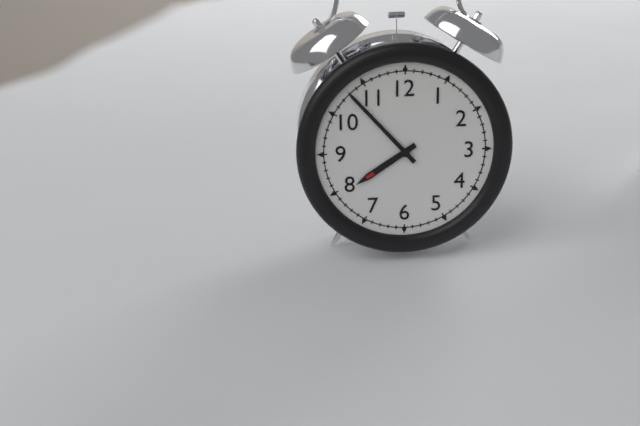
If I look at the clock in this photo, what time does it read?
7:53
